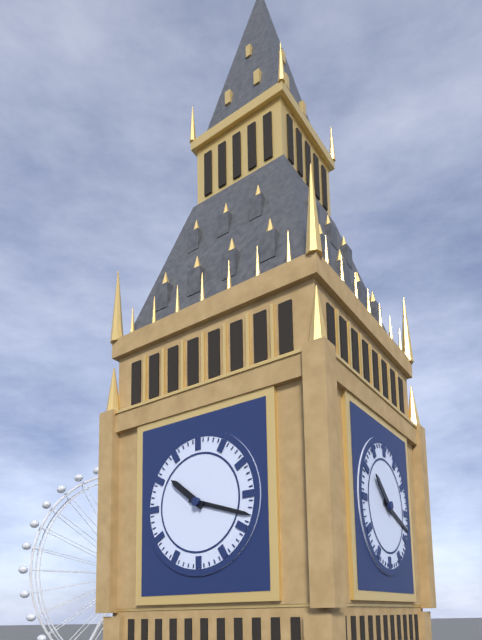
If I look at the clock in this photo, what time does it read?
10:18
